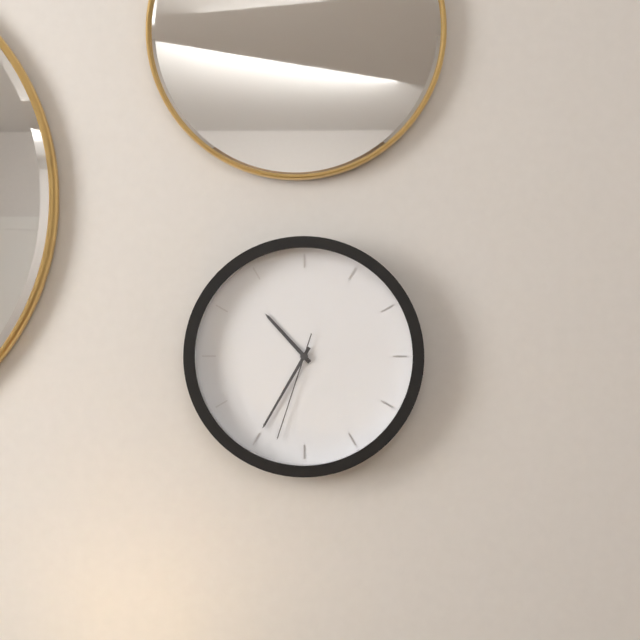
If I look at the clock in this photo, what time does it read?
10:35:33
